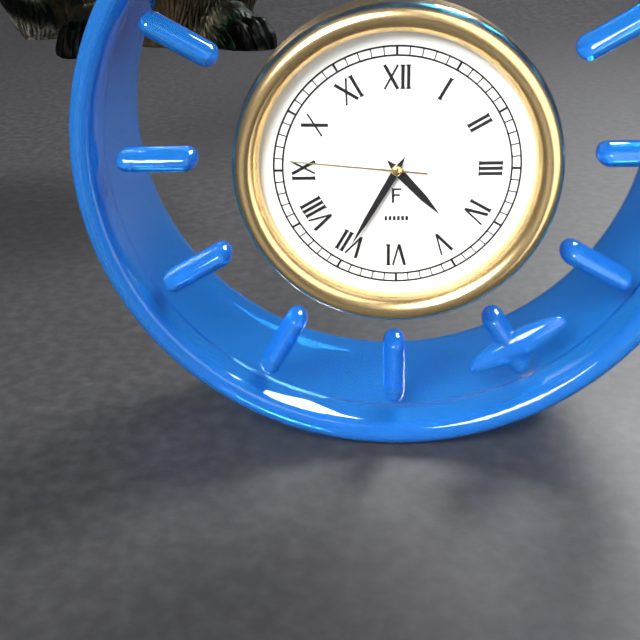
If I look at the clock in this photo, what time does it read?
4:35:46
